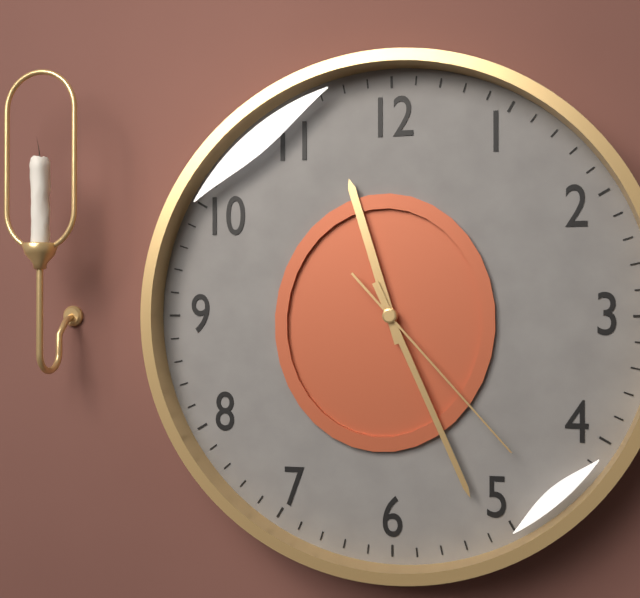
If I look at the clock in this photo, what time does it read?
11:26:23
